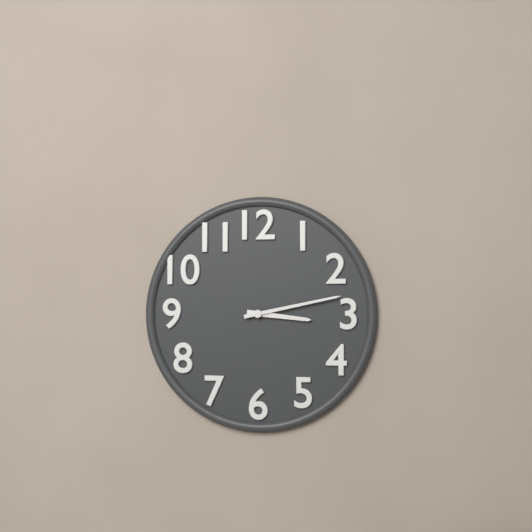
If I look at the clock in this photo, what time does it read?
3:13
